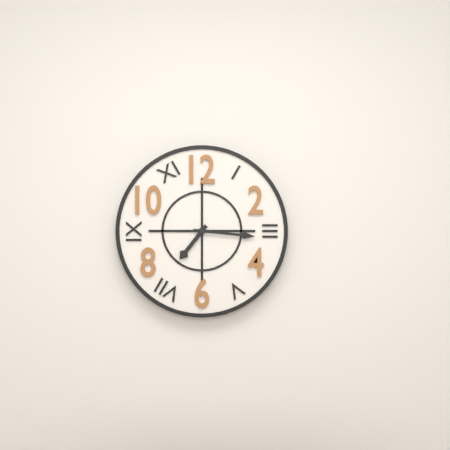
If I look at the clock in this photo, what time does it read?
7:16
